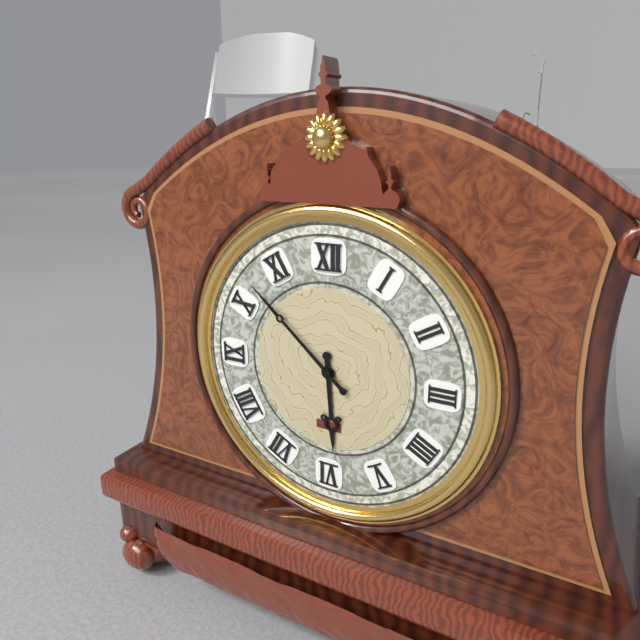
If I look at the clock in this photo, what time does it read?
5:52
